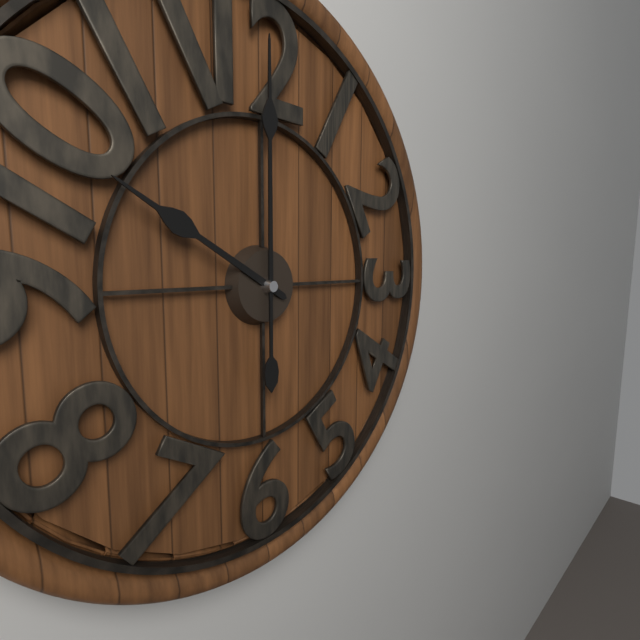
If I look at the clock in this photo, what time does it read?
10:00
